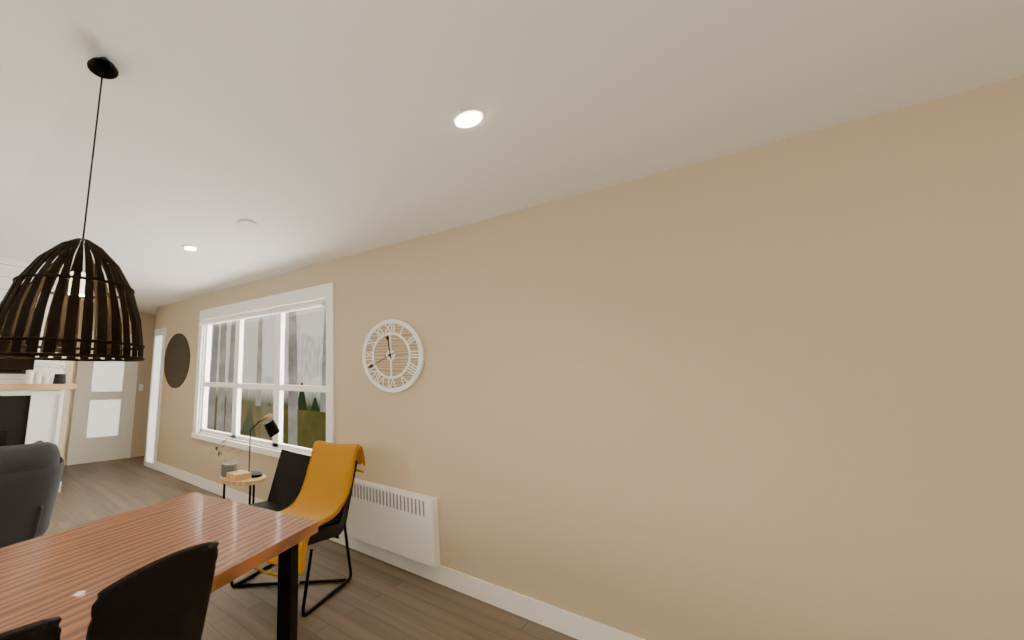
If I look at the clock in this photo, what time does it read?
11:41
